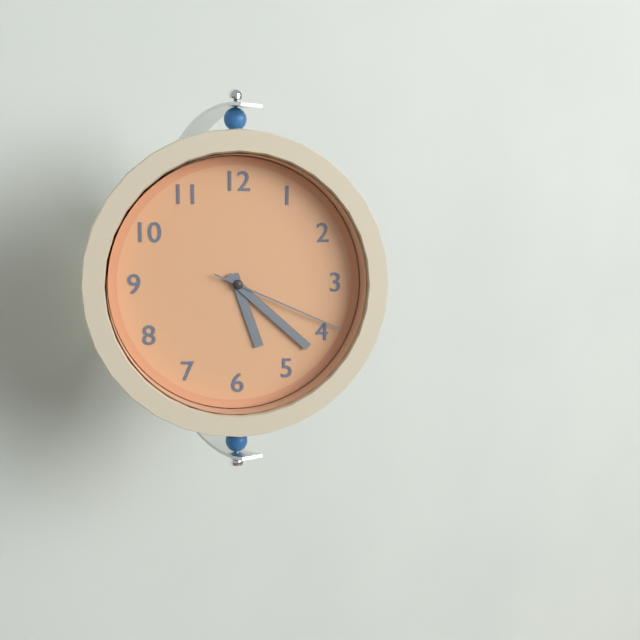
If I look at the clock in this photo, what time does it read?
5:22:19
